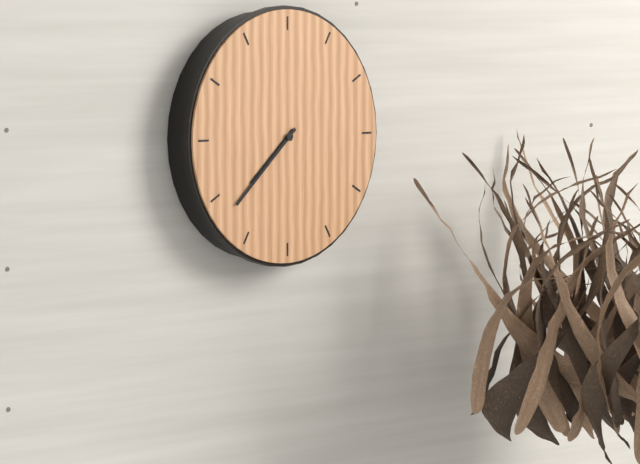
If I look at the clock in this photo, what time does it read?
7:38
